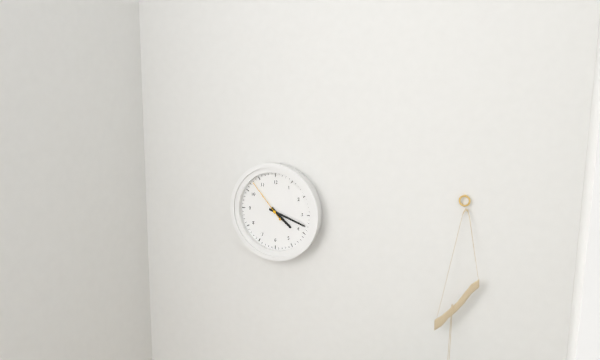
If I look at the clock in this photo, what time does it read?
4:18
